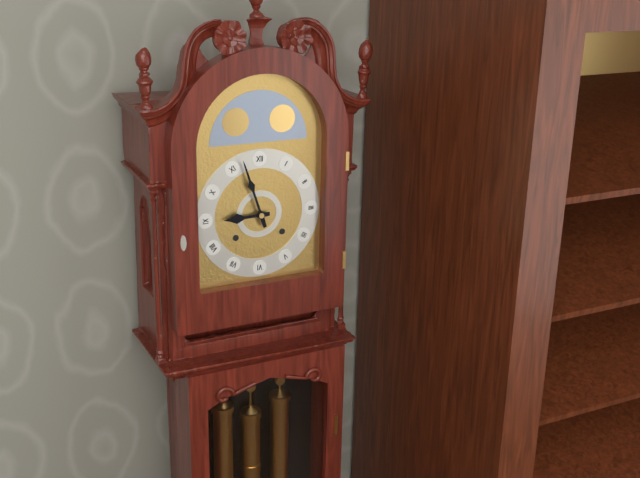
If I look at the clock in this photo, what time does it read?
8:57
